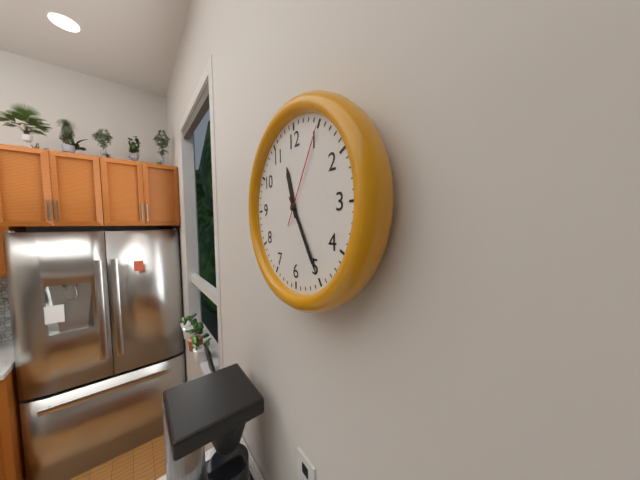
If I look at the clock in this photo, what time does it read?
11:25:05
